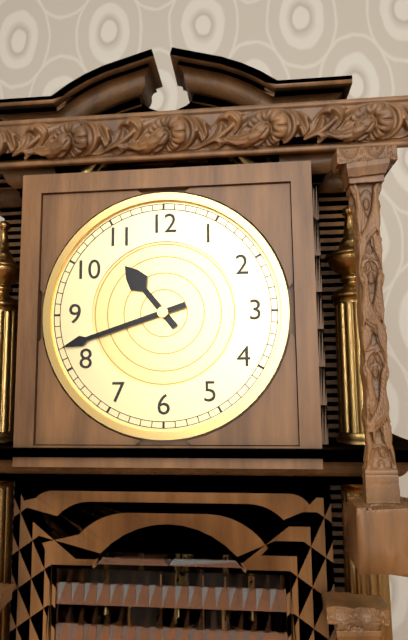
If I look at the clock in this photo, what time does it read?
10:42
